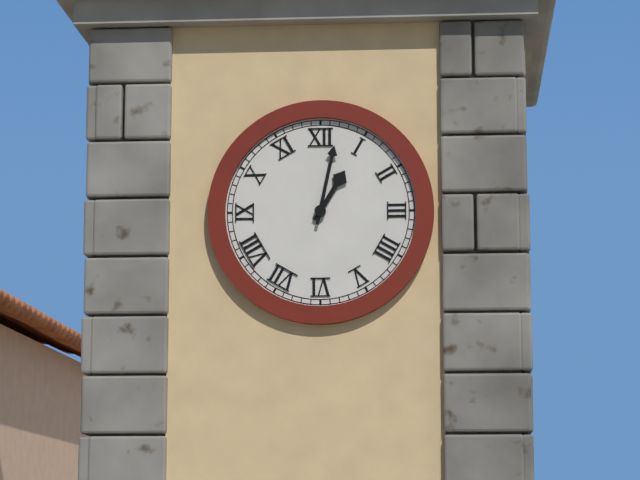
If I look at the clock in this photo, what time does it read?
1:02
